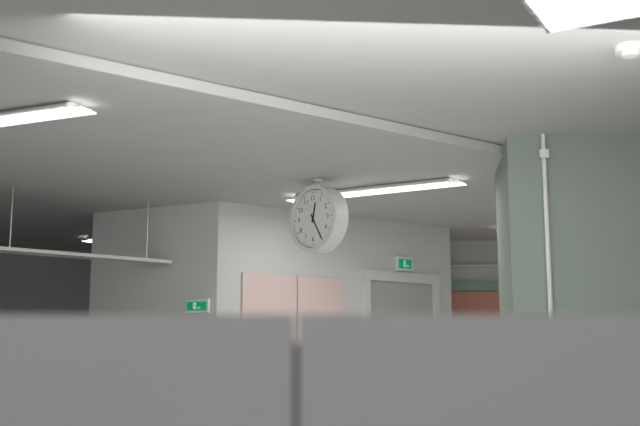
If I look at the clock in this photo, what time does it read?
12:25
